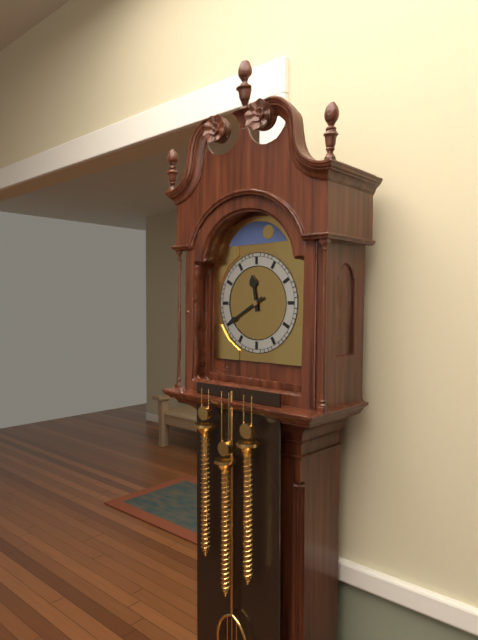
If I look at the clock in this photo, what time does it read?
11:40
